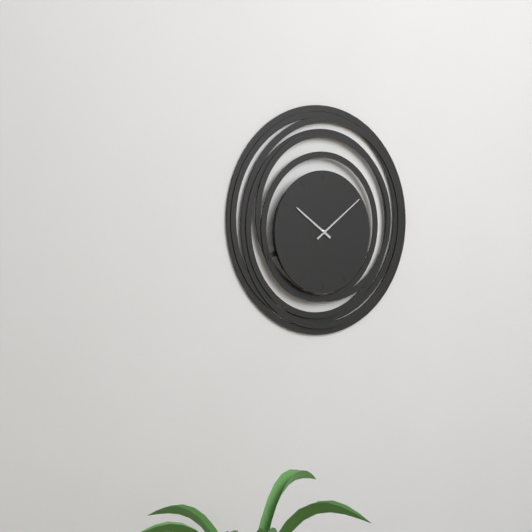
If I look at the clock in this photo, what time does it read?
10:09
